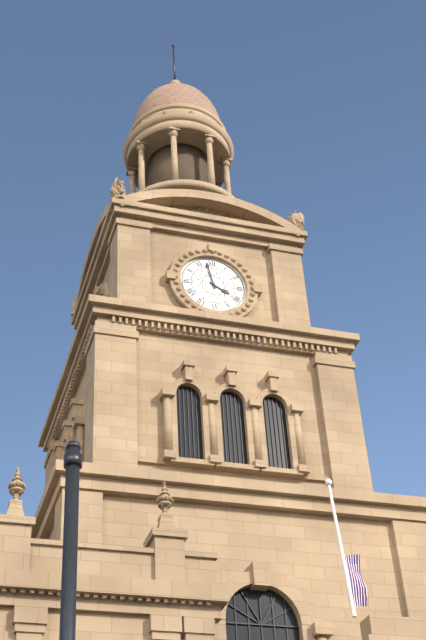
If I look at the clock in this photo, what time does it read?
3:58
